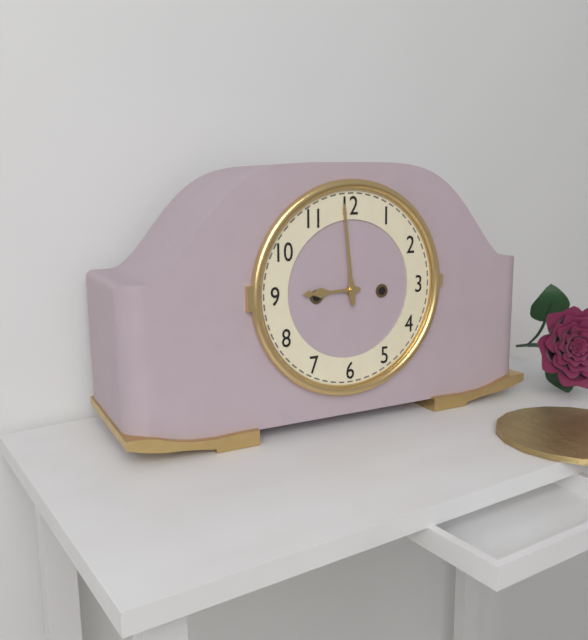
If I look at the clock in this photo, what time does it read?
8:59
